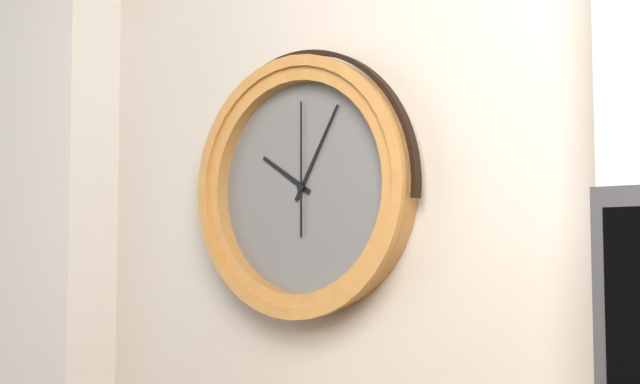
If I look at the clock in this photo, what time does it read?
10:05:00
